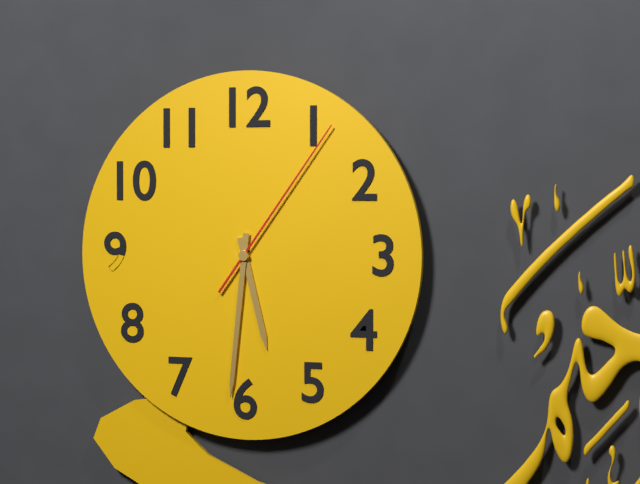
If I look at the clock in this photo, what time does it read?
5:31:06
